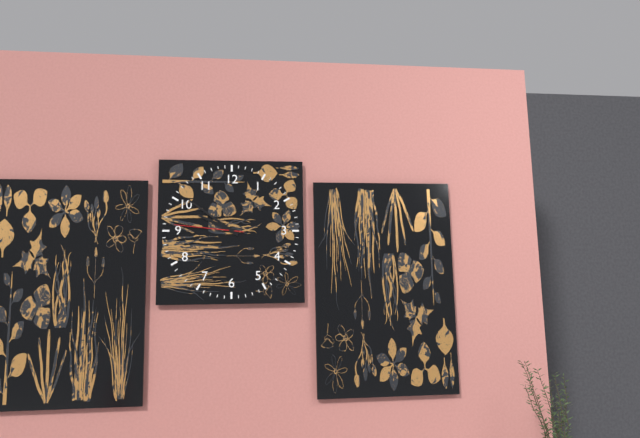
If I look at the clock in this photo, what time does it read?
9:51:46
